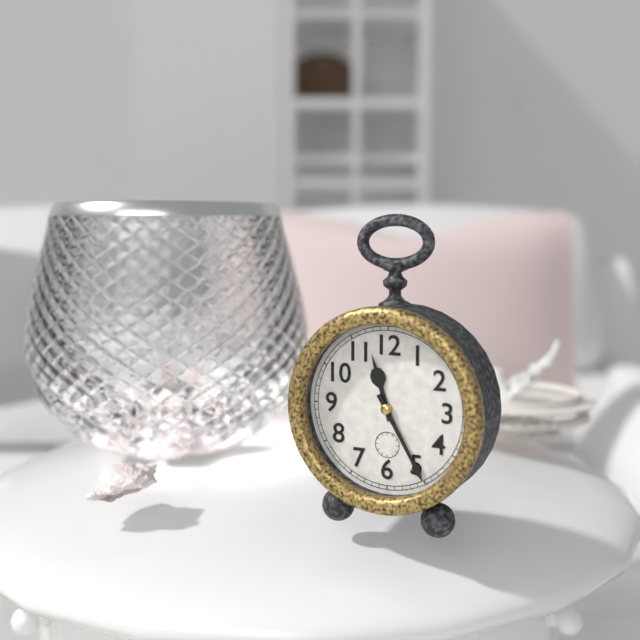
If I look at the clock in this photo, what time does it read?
11:25
